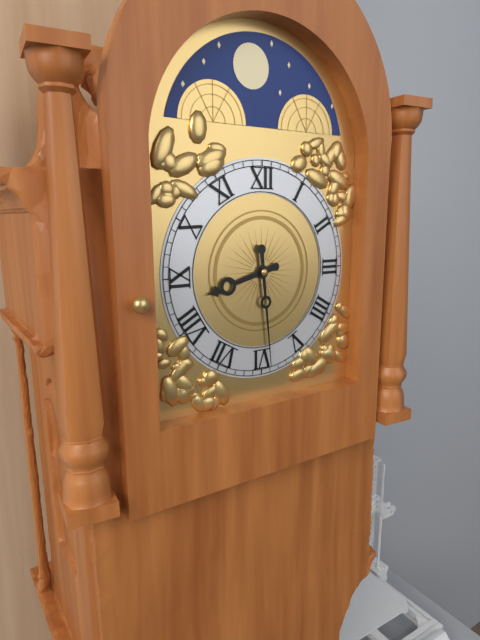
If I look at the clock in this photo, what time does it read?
8:29
